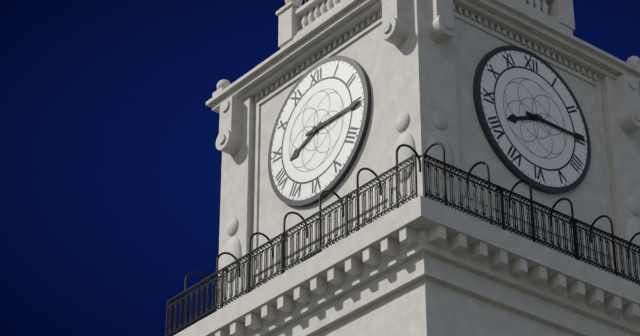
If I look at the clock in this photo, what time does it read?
8:15
